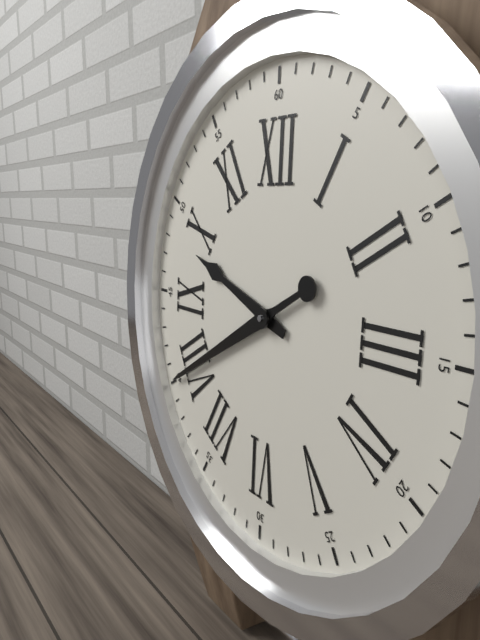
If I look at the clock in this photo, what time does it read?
9:40
